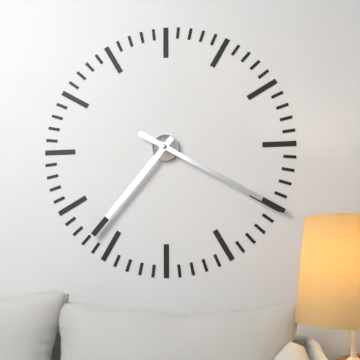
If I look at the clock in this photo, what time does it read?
7:20
